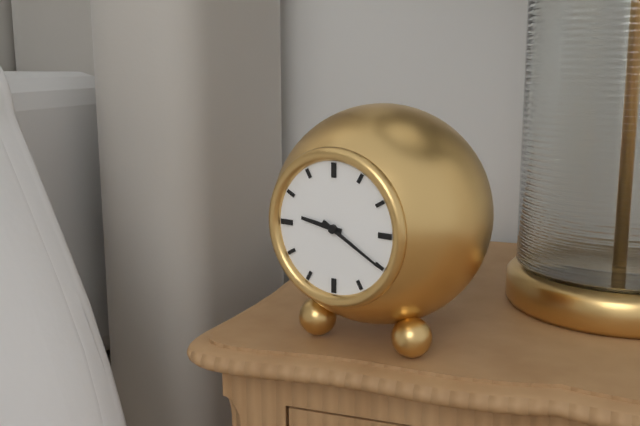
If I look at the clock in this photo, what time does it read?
9:20
